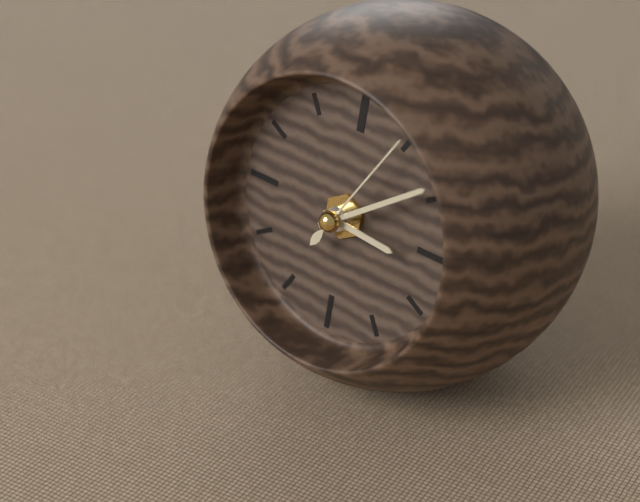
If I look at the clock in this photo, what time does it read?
3:09:05
